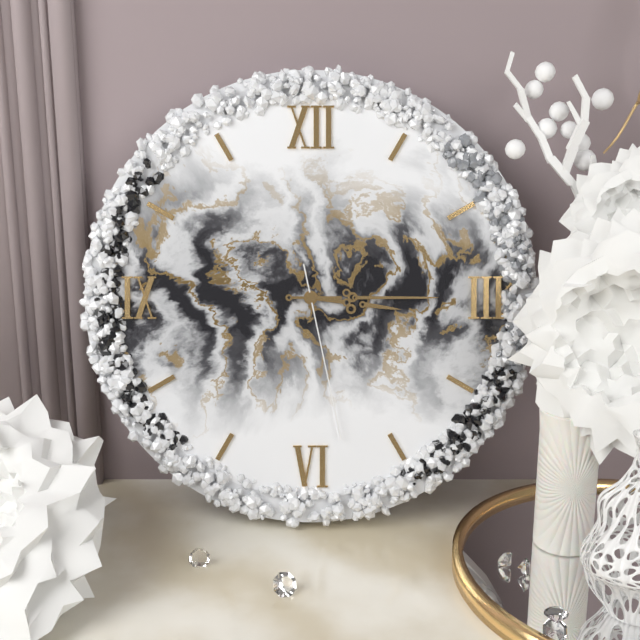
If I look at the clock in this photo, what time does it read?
3:15:28
